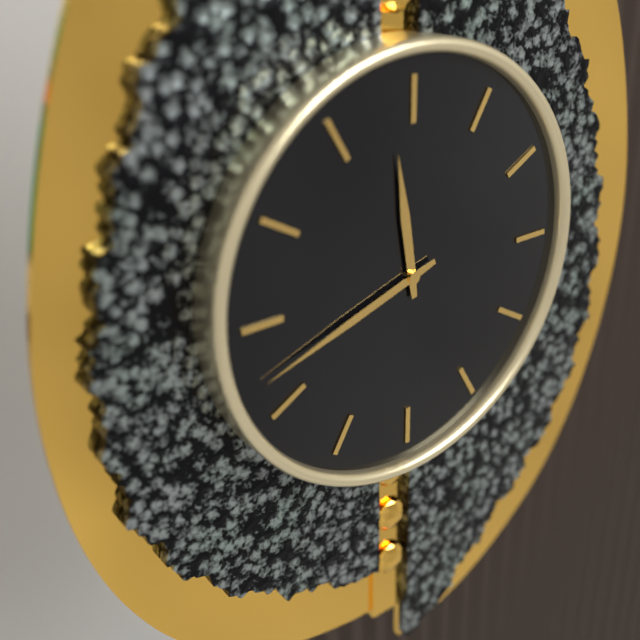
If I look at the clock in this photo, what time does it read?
11:42
